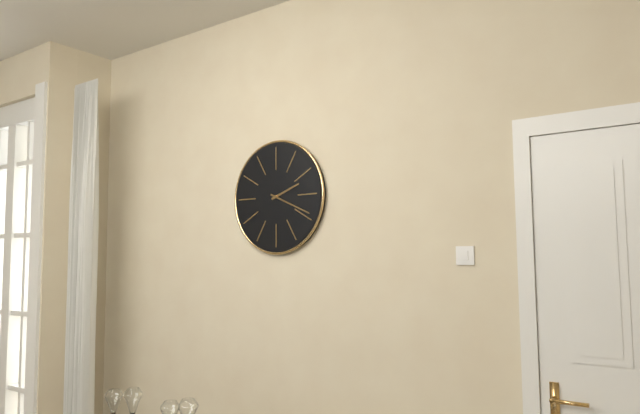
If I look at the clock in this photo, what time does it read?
2:19
